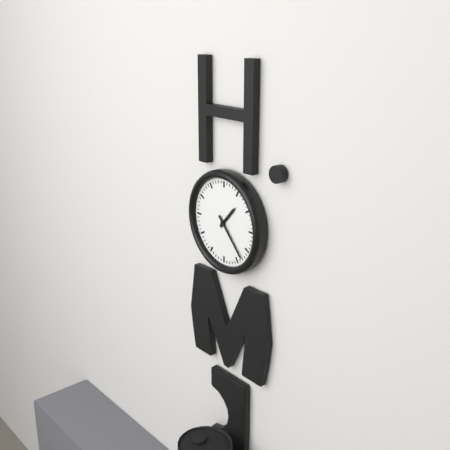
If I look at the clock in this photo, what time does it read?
1:23
